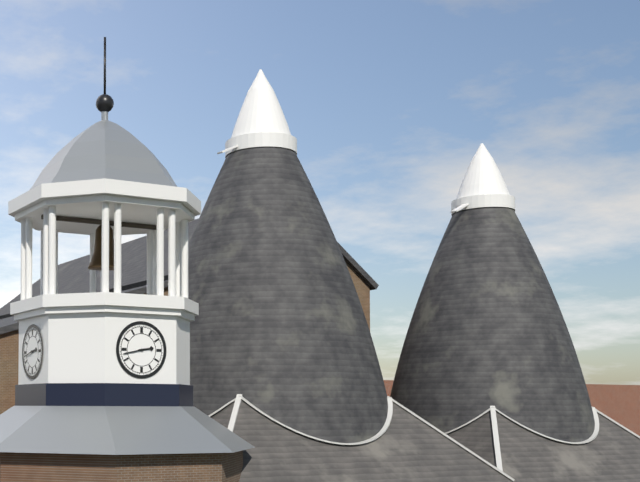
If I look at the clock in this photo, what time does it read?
2:43
